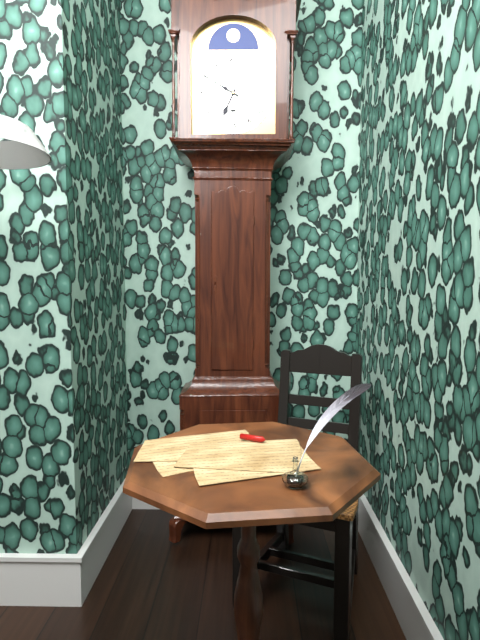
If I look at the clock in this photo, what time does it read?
6:50
